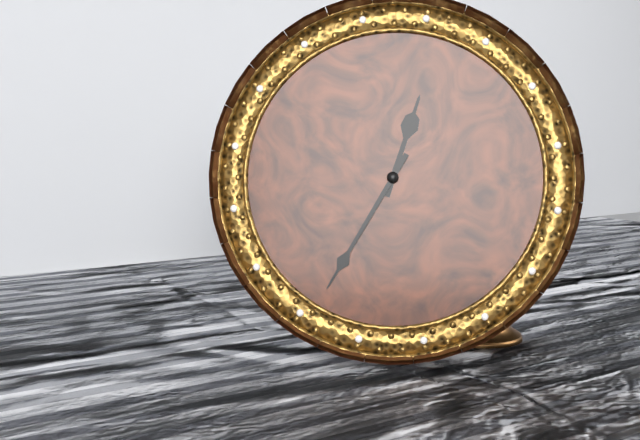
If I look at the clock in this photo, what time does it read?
12:35
